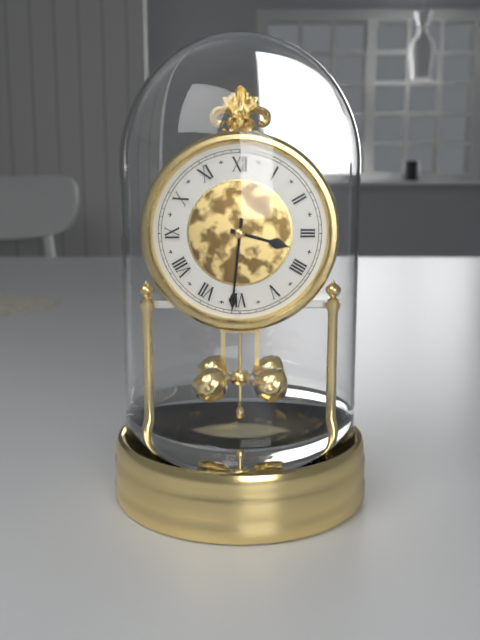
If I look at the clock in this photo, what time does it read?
3:31
